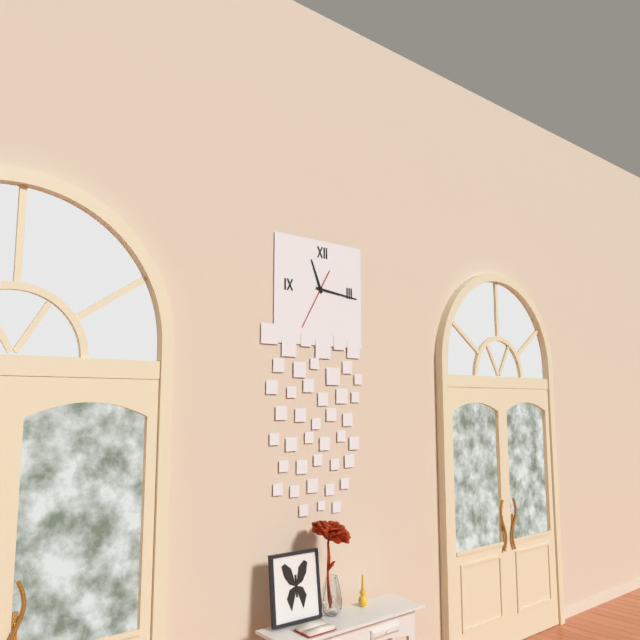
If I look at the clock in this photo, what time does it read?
11:16:35
